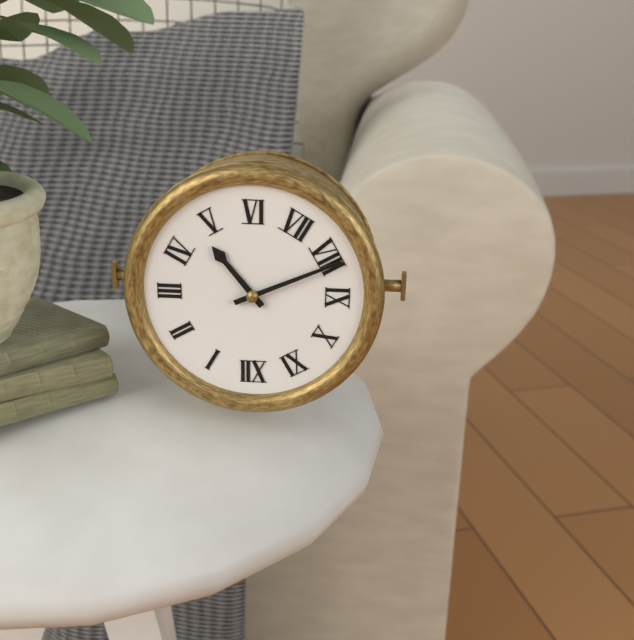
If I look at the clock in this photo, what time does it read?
4:41
